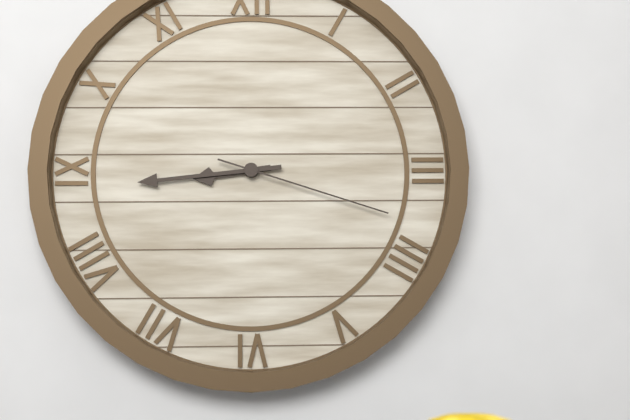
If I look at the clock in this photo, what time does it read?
8:44:18
